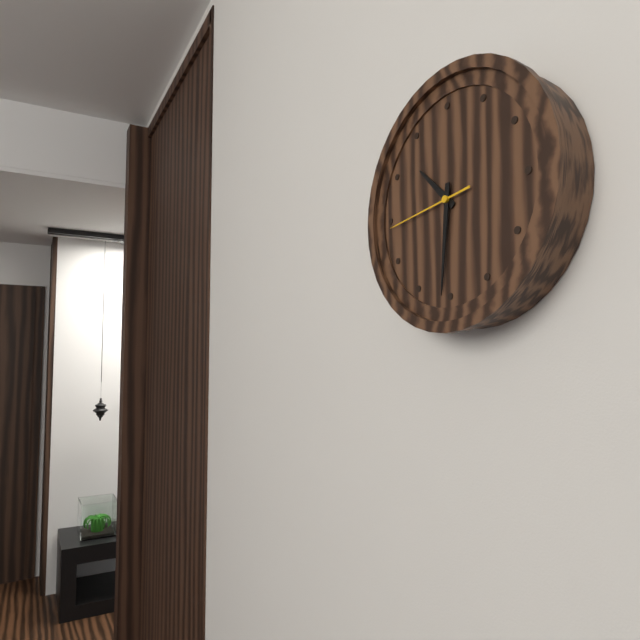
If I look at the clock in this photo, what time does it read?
10:31:44
